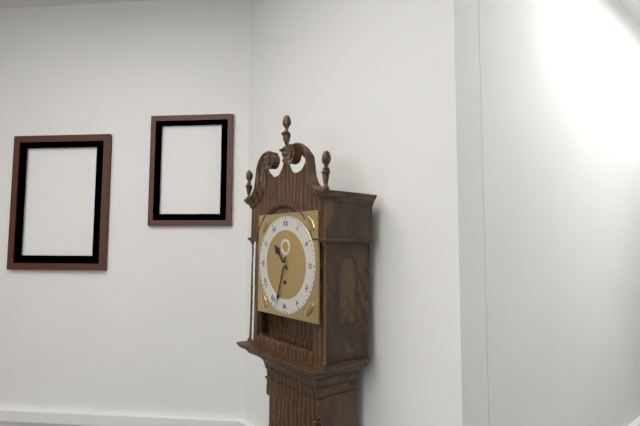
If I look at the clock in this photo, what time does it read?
10:33
